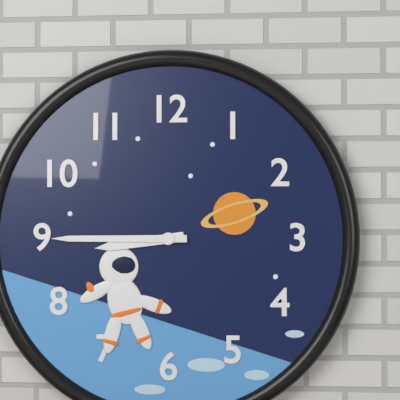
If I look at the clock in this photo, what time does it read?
8:45
